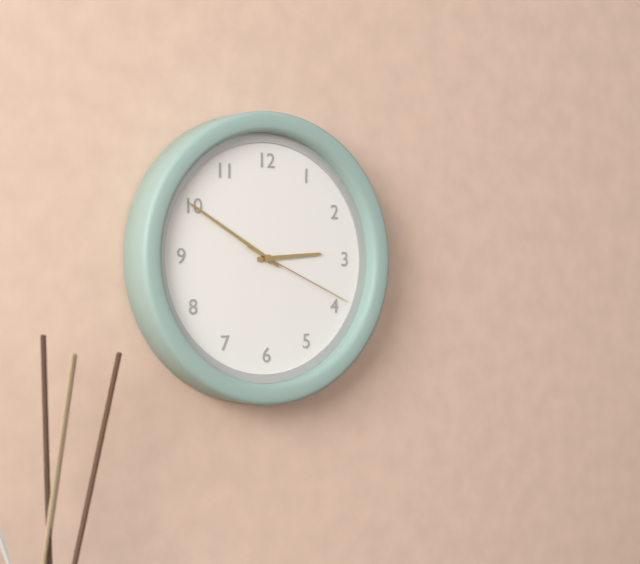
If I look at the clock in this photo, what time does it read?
2:50:19
